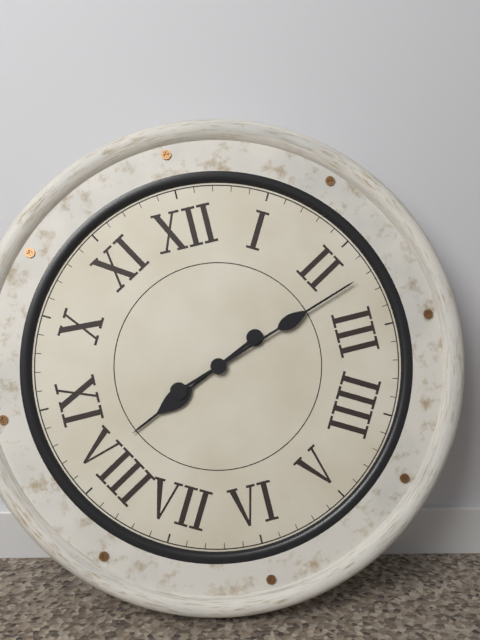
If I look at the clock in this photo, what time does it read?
8:12
